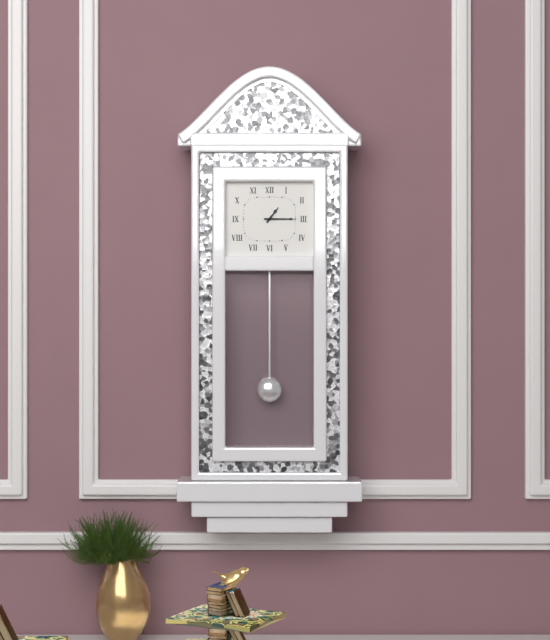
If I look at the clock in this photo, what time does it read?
1:15
